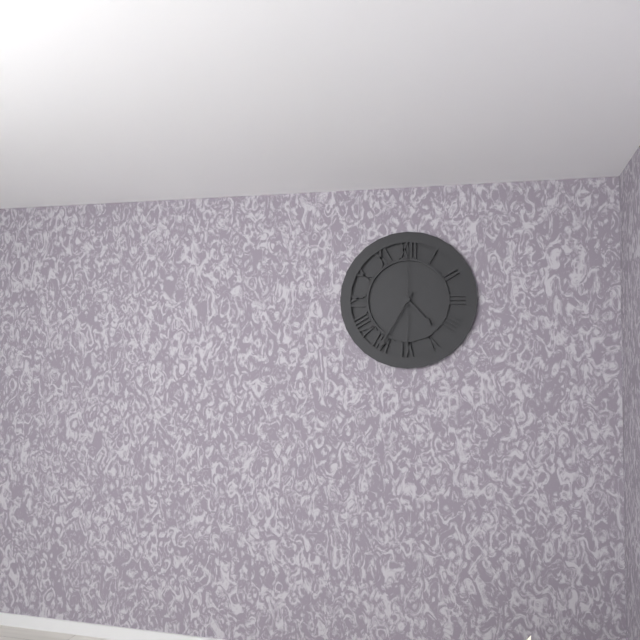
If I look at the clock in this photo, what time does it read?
4:35:00
